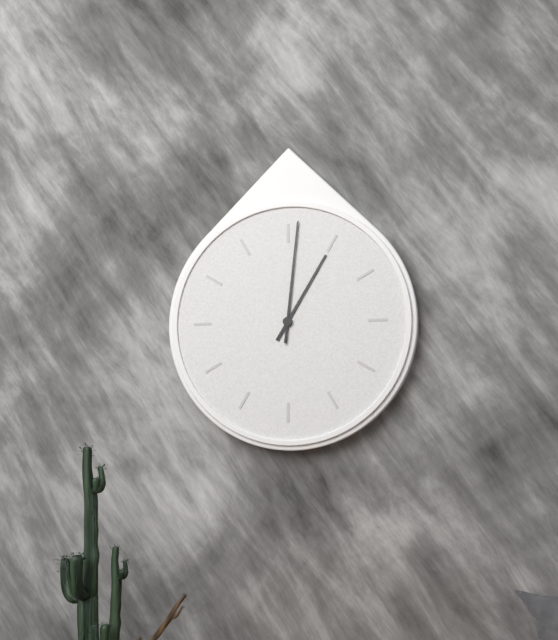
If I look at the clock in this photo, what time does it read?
1:01
